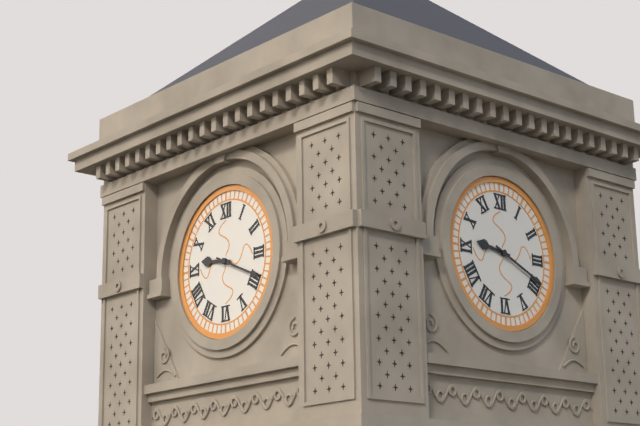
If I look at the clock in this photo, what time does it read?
9:19
